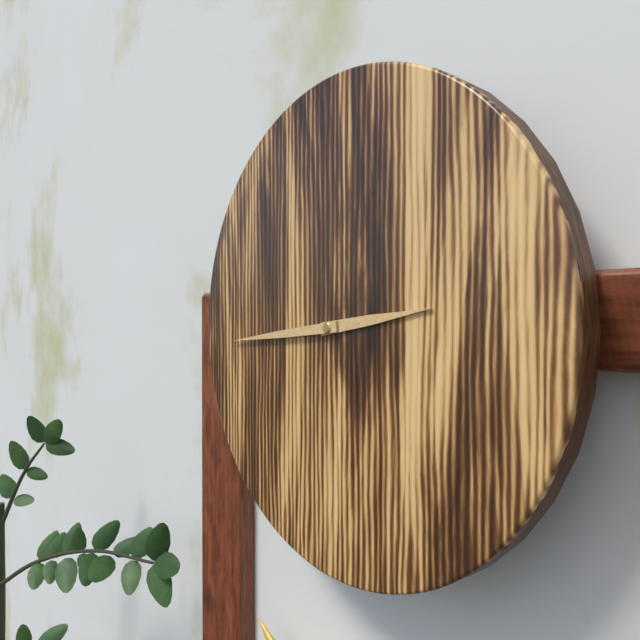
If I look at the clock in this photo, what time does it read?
2:44
